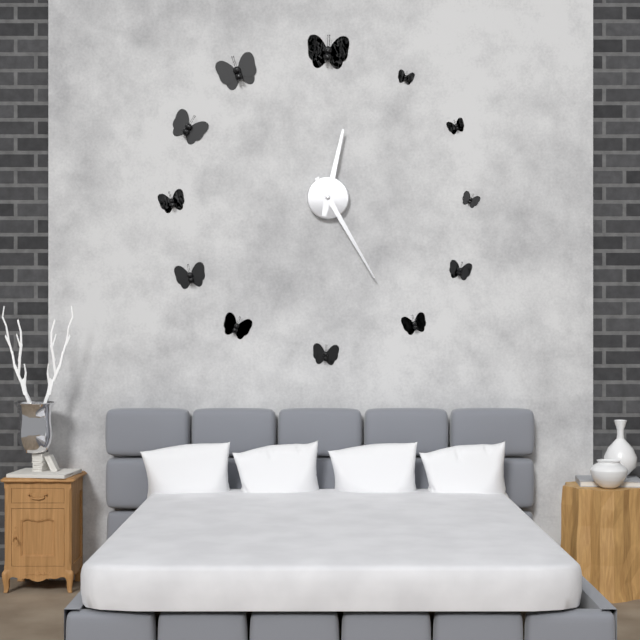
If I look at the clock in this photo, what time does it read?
12:25
